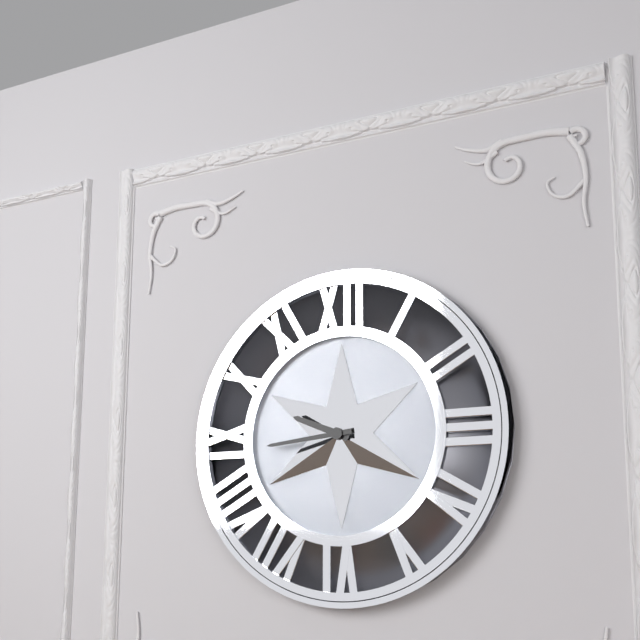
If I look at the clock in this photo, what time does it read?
9:44
